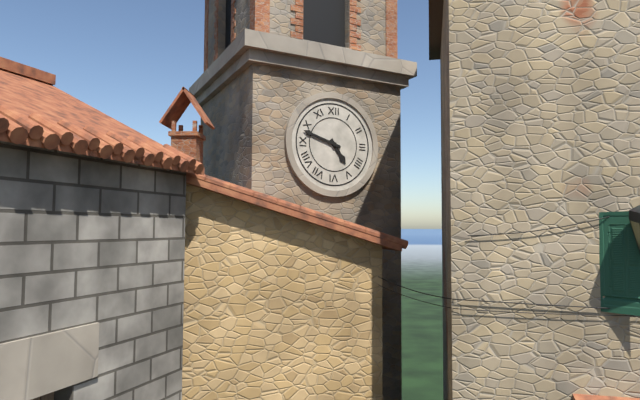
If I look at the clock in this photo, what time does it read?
4:48
